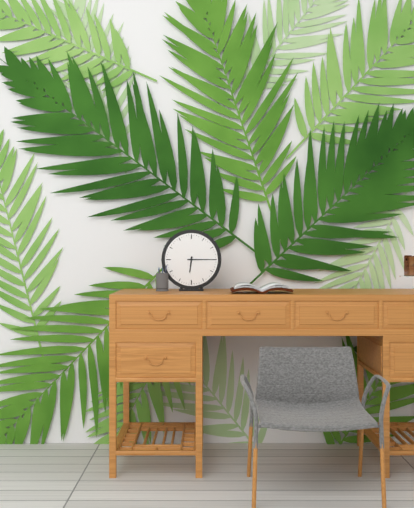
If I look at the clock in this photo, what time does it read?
6:15
